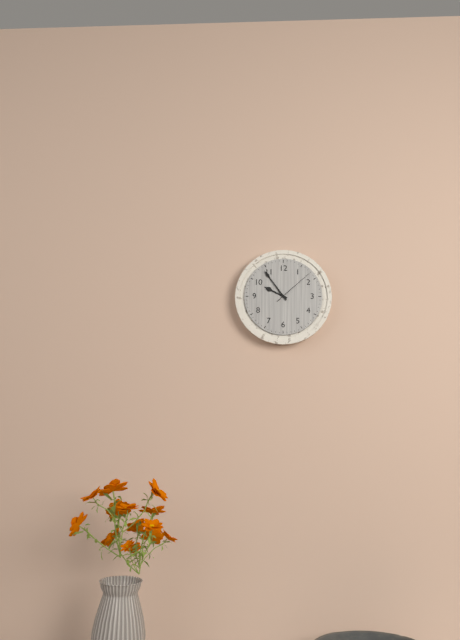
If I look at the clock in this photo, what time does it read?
9:54
